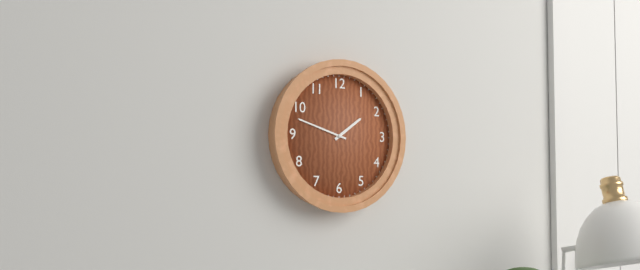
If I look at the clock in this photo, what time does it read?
1:48
